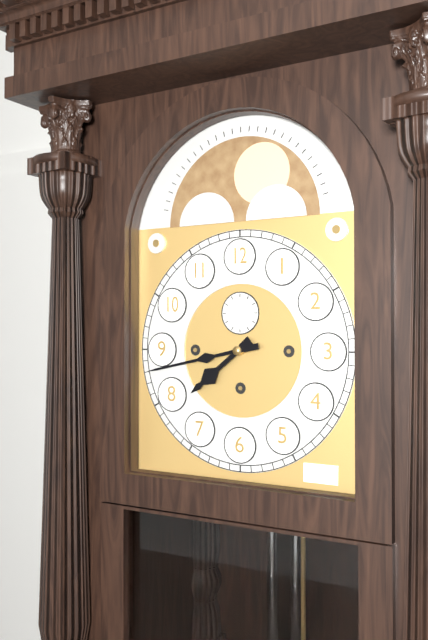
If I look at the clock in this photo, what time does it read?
7:43
